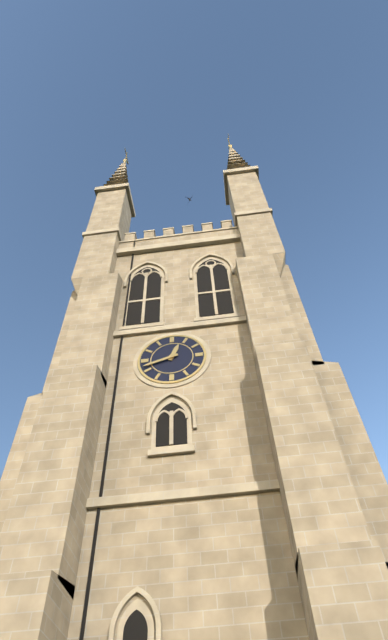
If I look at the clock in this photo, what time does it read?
12:42
